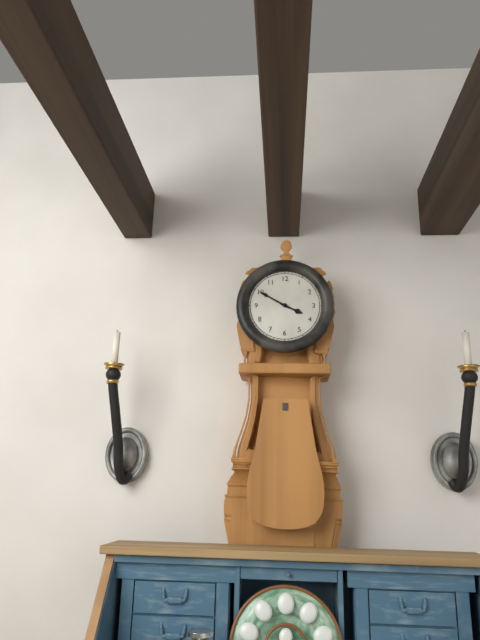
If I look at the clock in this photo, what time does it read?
3:50
